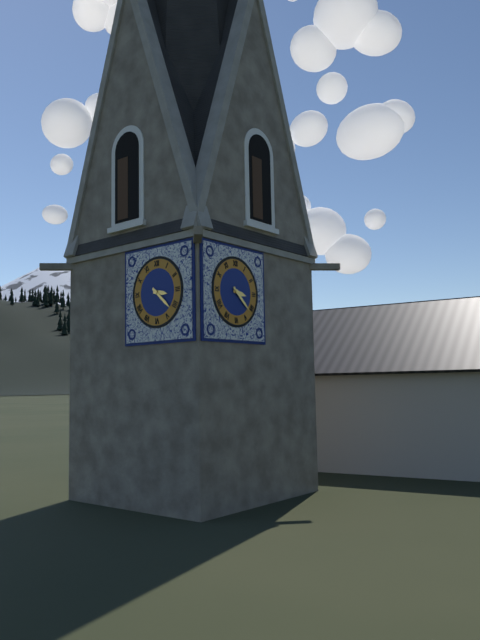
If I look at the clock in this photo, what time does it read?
3:22
